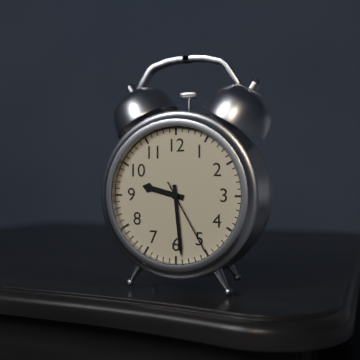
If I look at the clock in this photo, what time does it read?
9:29:25
